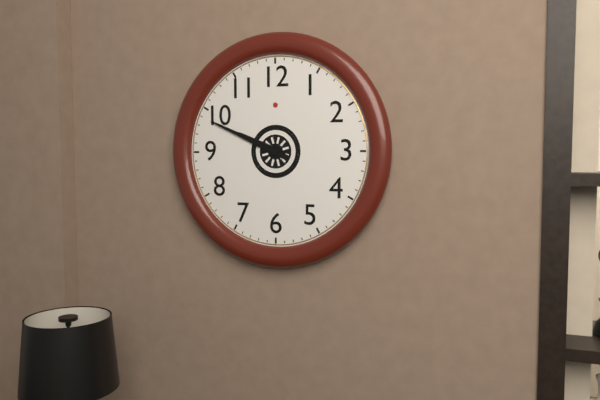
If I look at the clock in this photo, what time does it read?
9:49
